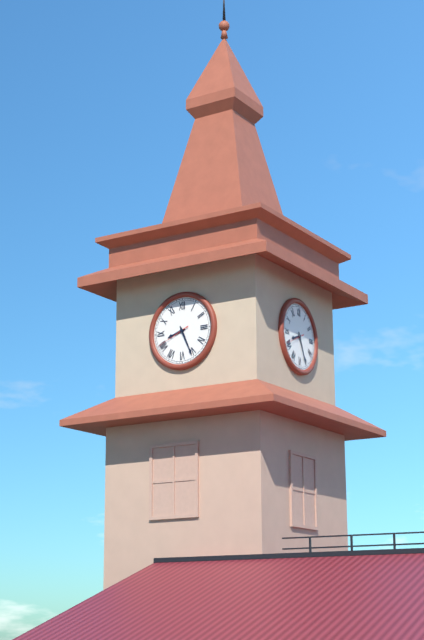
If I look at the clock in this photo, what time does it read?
8:26
